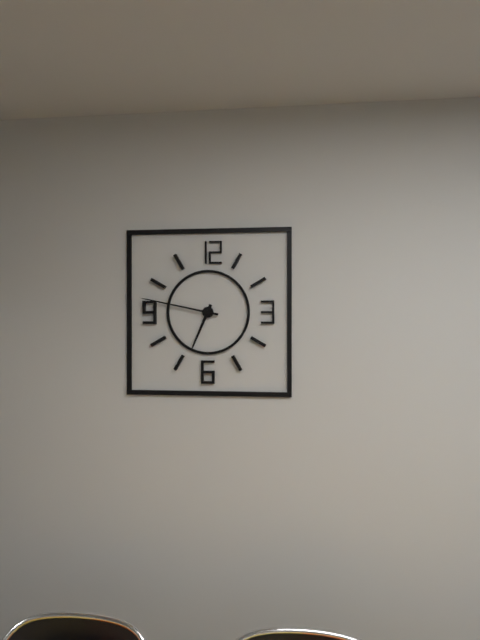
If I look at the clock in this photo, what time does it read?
6:47
